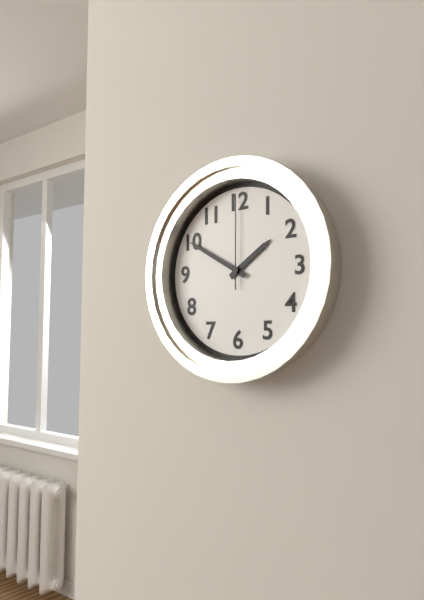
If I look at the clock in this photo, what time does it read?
1:50:00
